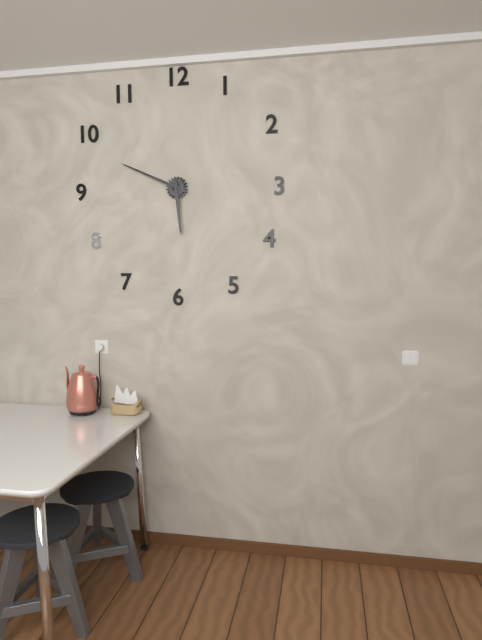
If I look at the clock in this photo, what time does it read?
5:49
